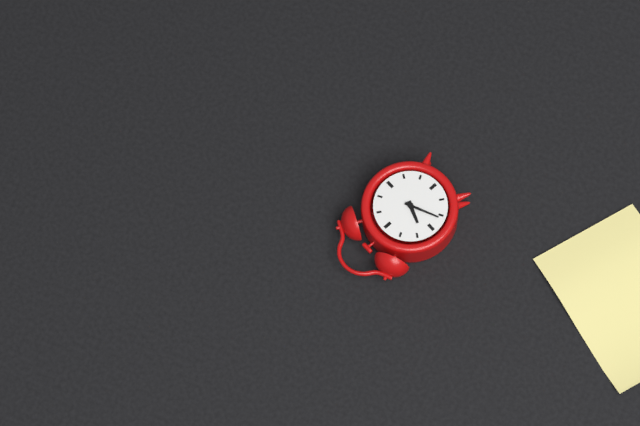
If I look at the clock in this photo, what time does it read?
9:41
